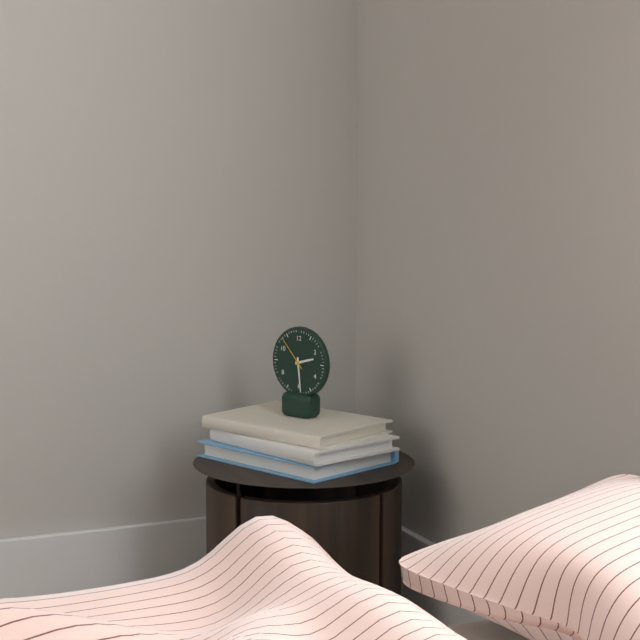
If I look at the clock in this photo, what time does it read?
2:29
